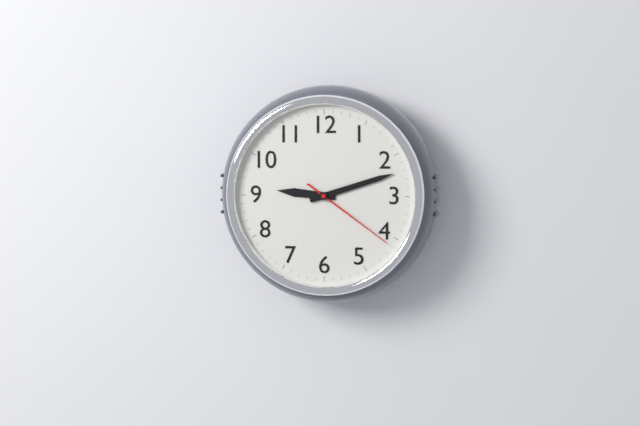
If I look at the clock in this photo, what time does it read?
9:12:21
